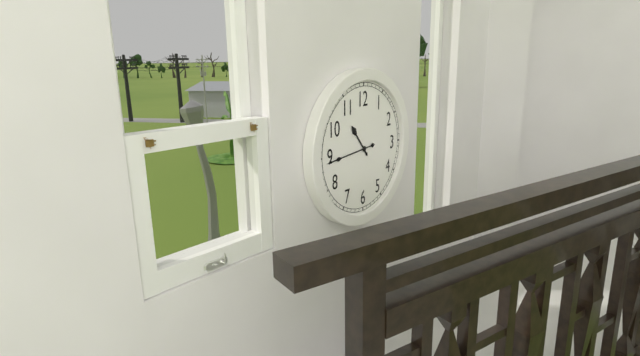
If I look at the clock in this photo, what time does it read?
10:44
